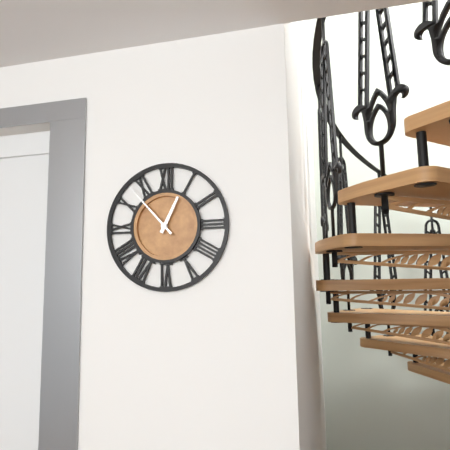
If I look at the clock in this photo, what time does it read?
12:53
